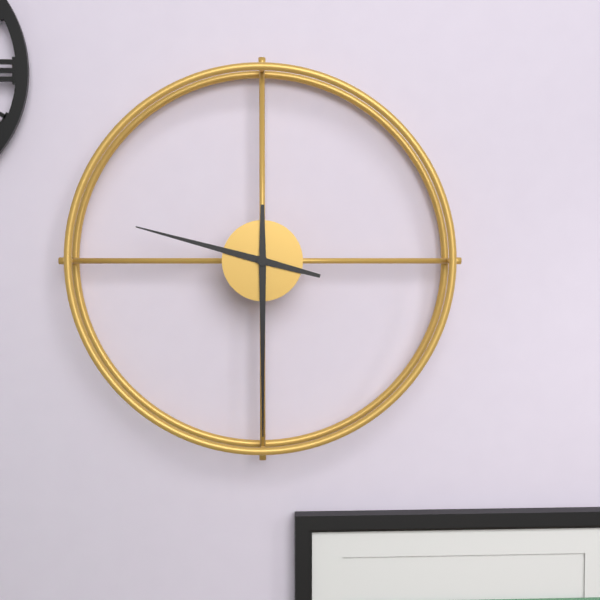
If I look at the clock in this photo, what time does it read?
9:30
